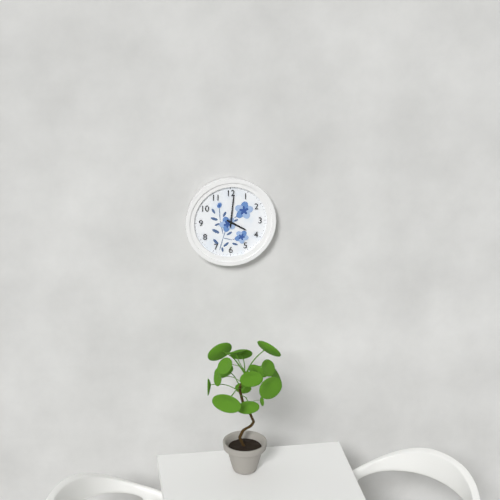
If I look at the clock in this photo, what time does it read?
4:01
